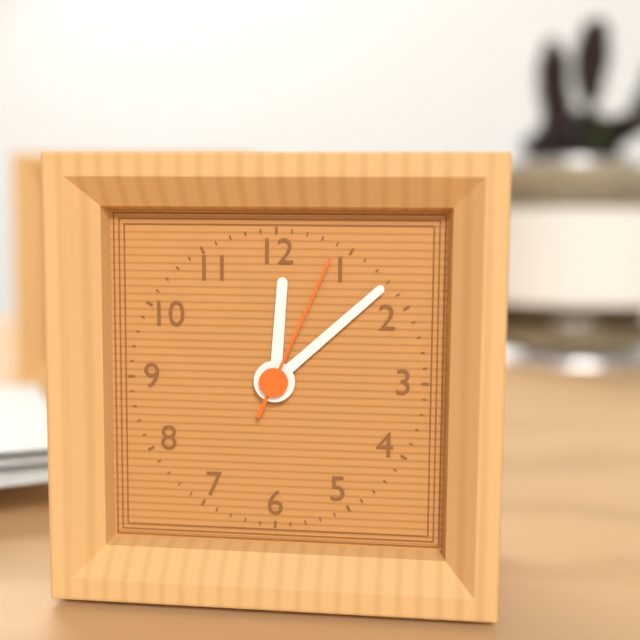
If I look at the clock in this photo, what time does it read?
12:08:04
